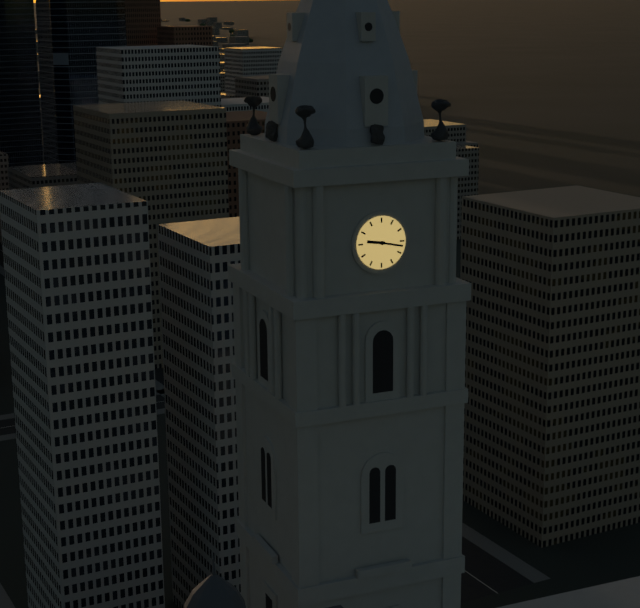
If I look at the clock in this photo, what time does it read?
9:17
